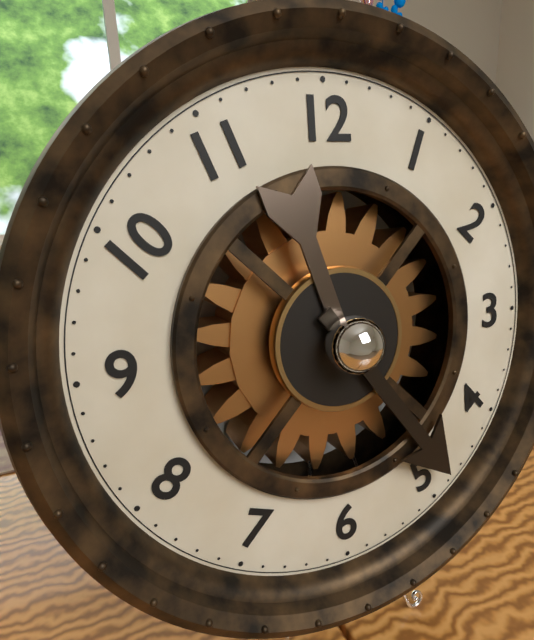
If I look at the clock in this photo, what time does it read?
11:24
